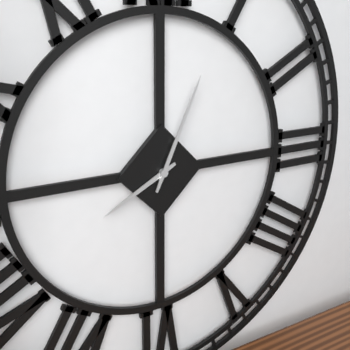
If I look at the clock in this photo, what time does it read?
8:04
